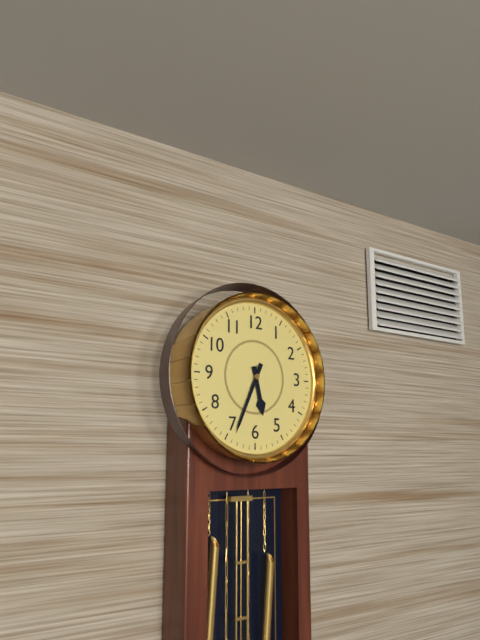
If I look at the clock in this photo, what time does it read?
5:34
